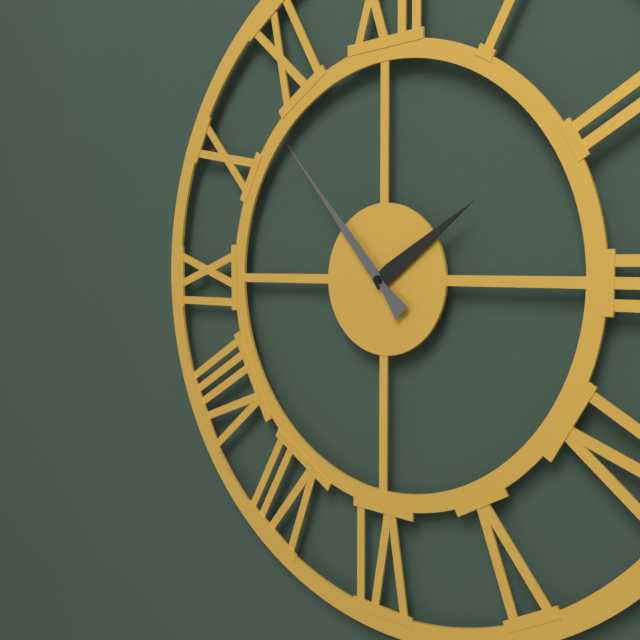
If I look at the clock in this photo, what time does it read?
1:53
